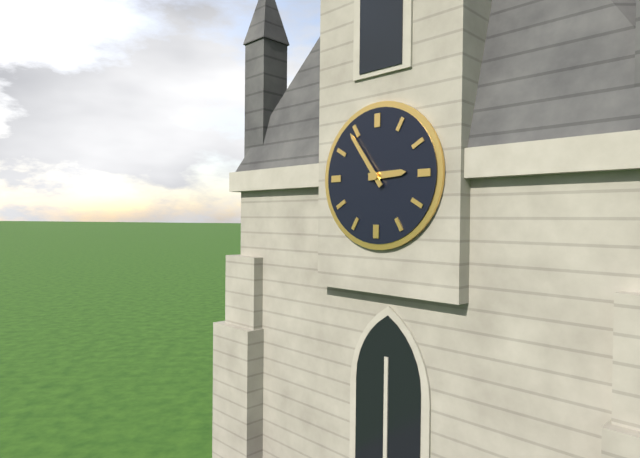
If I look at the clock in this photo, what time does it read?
2:54
